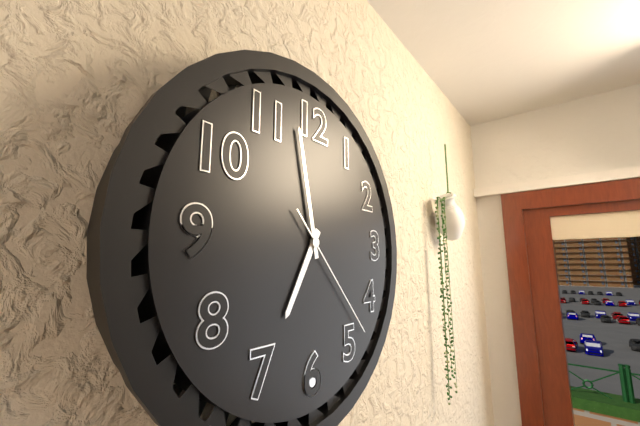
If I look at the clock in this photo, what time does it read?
6:58:23
